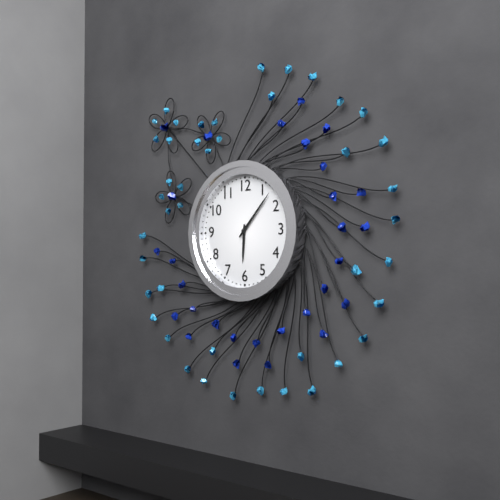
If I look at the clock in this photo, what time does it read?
6:07
